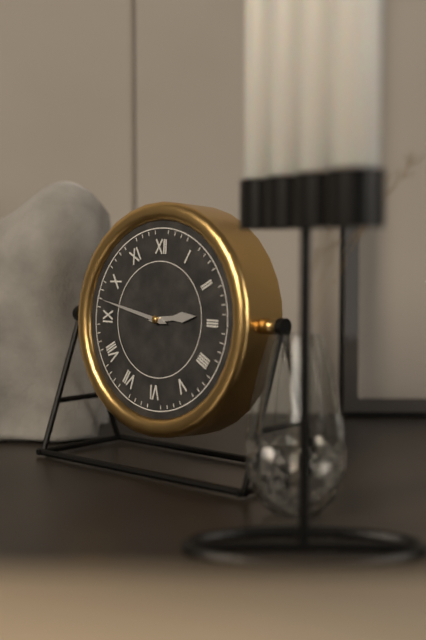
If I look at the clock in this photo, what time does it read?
2:47
